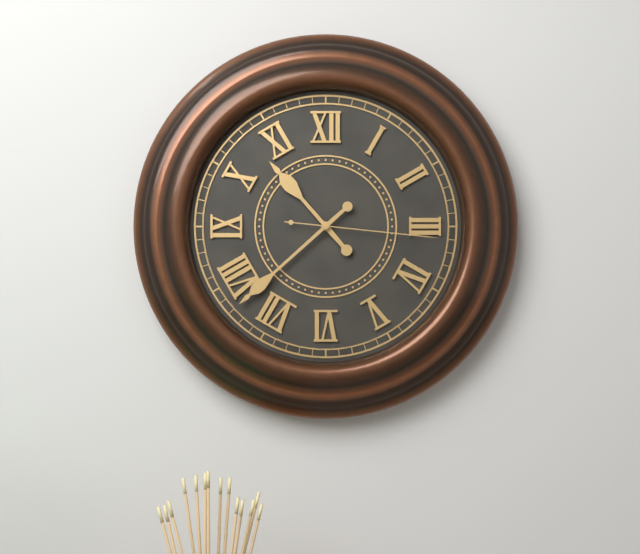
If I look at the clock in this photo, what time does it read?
10:38:16
